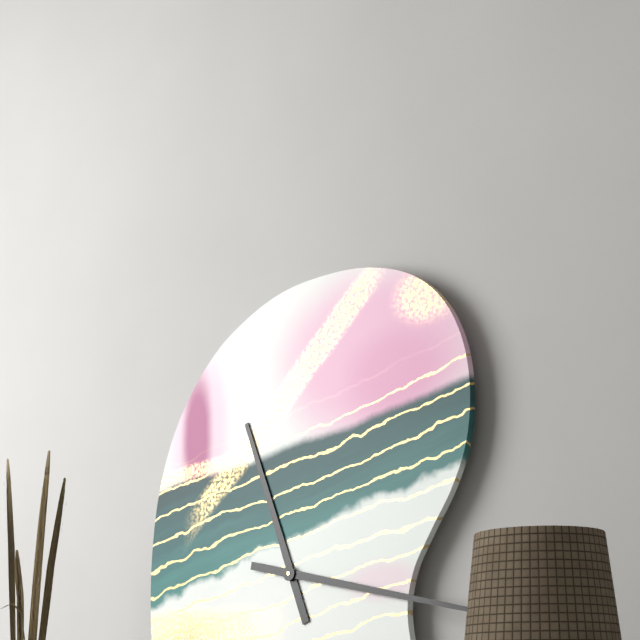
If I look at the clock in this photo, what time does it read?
11:17
